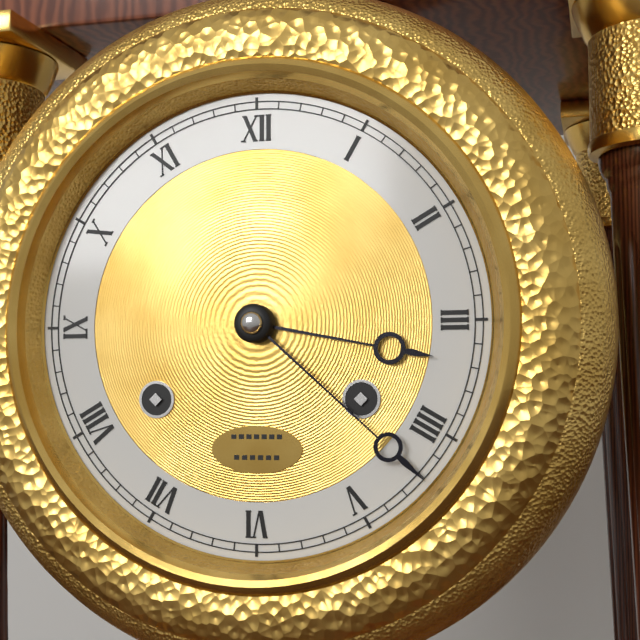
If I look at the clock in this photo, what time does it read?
3:22
